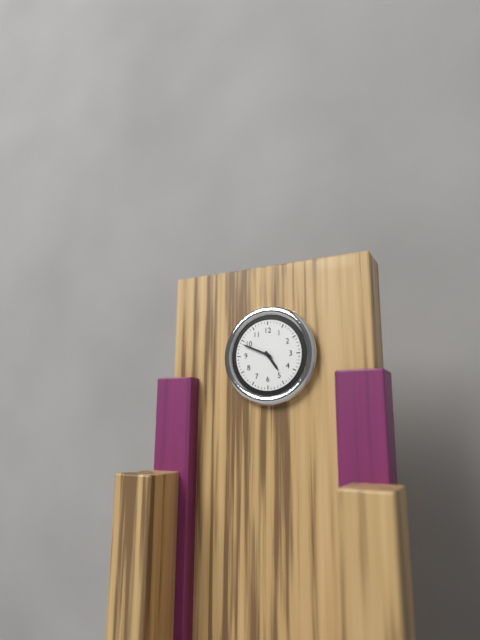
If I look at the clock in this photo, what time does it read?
4:49
